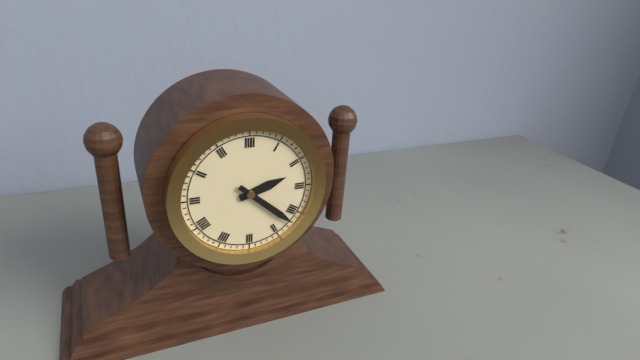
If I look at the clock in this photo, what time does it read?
2:22
